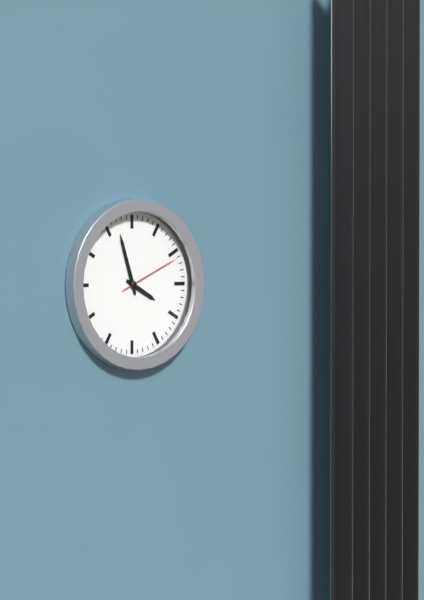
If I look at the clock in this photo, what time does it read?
3:57:11
